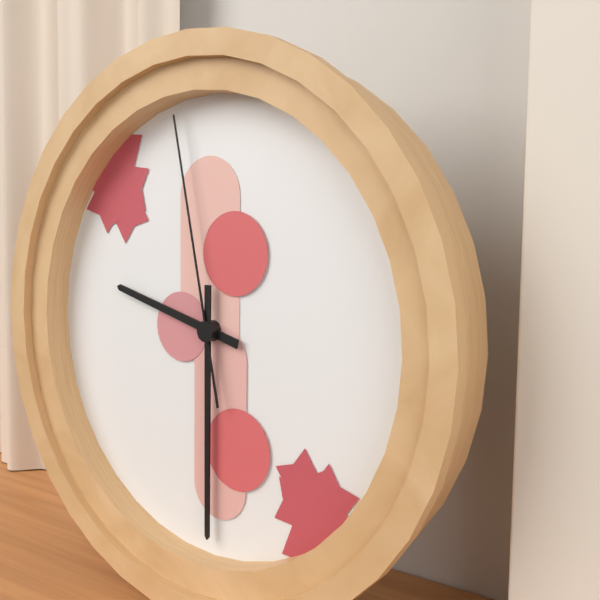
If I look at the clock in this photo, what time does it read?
9:30:58
